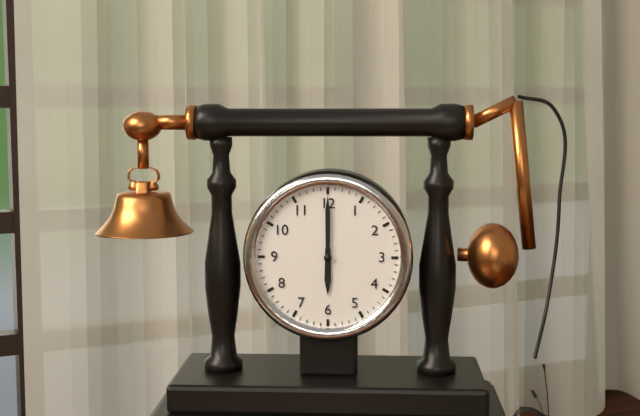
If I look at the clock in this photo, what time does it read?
6:00
